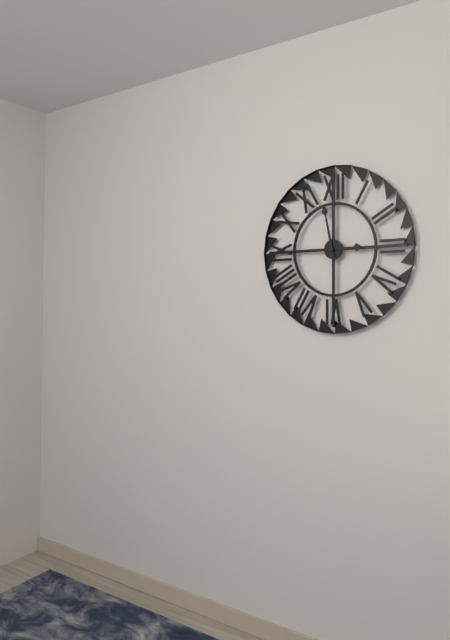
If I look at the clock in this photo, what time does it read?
2:58
